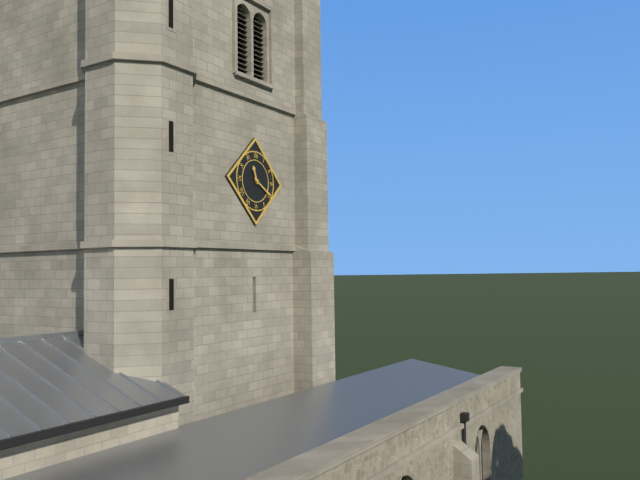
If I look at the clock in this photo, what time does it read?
11:20
